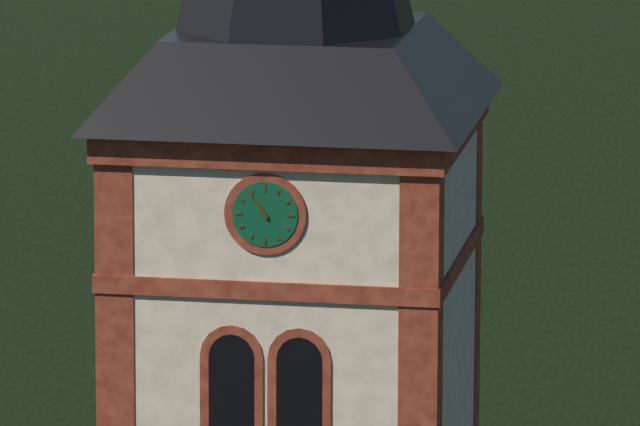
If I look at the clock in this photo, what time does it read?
10:54
